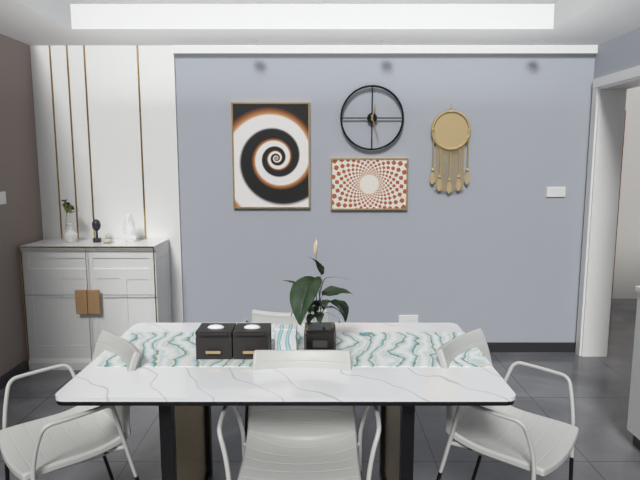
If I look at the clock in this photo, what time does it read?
12:27
